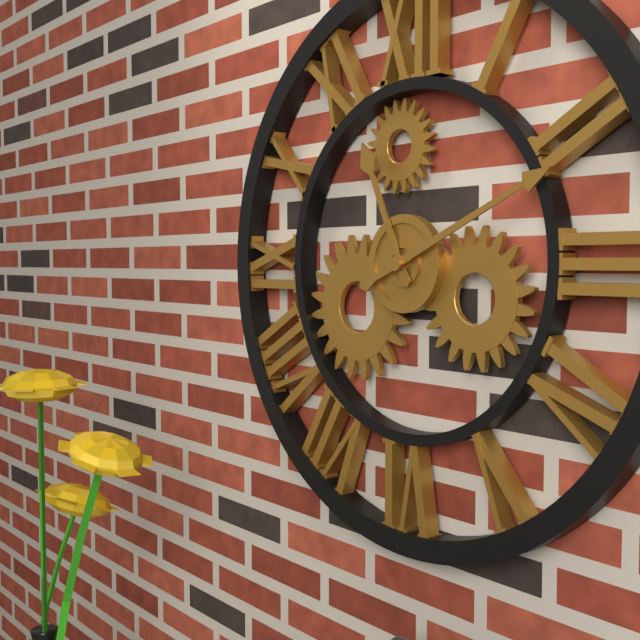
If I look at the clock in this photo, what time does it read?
11:11
